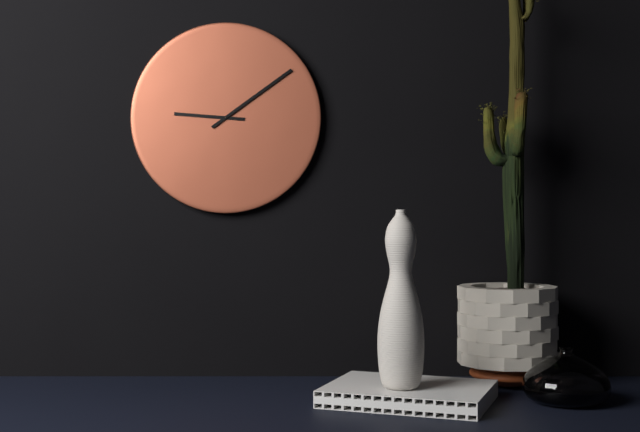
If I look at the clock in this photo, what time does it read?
9:09
